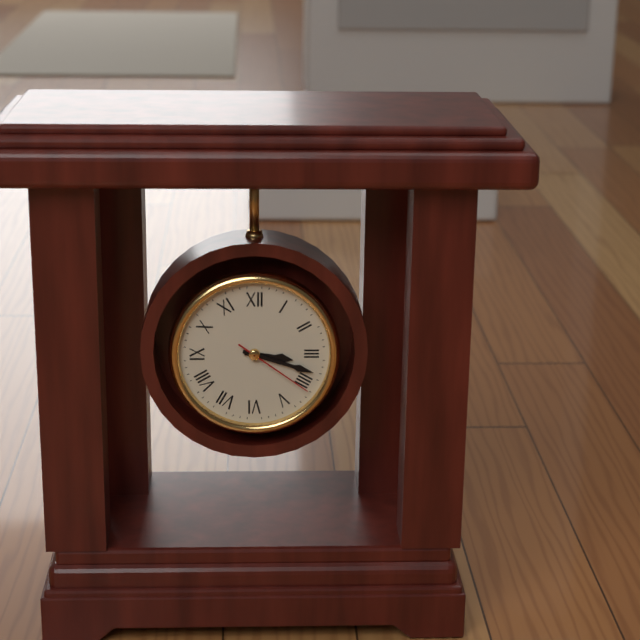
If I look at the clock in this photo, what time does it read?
3:18:21
